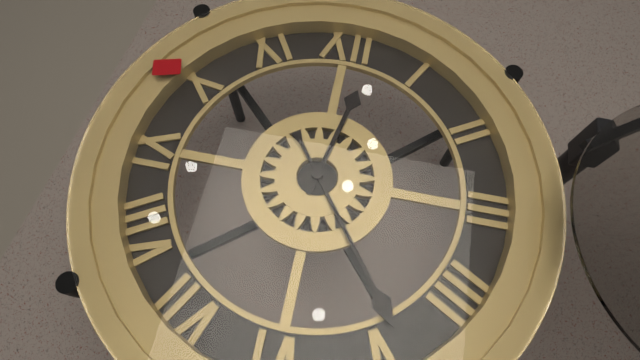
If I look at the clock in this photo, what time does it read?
12:24
